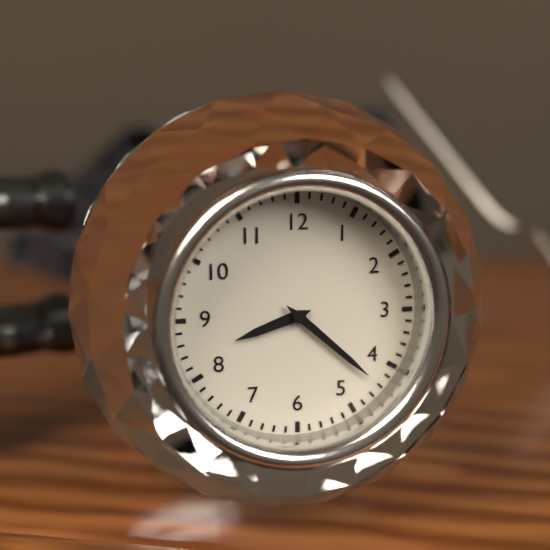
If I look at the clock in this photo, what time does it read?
8:22
